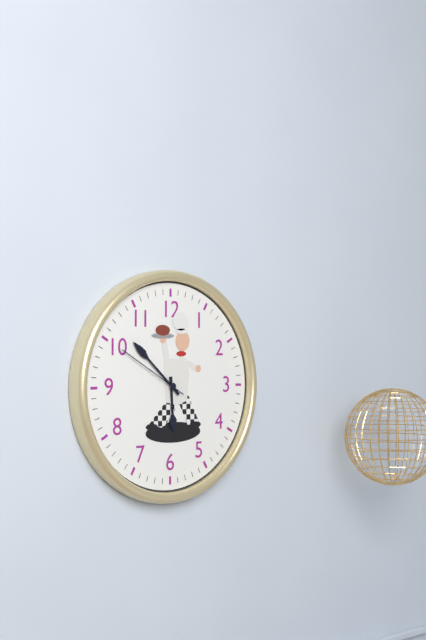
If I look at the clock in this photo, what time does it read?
5:52:50
